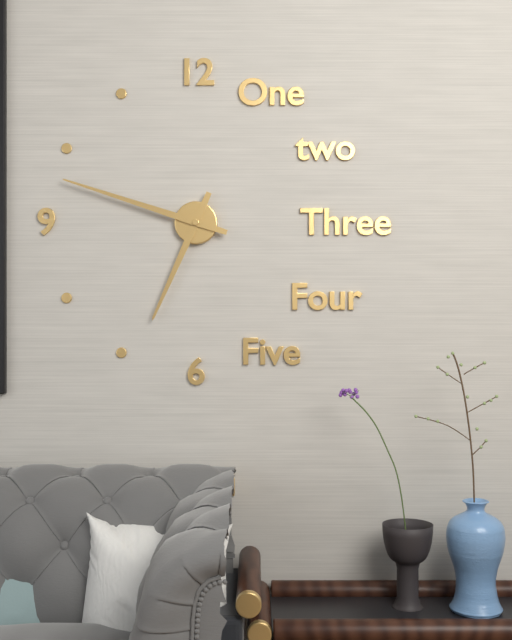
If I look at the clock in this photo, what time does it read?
6:48
